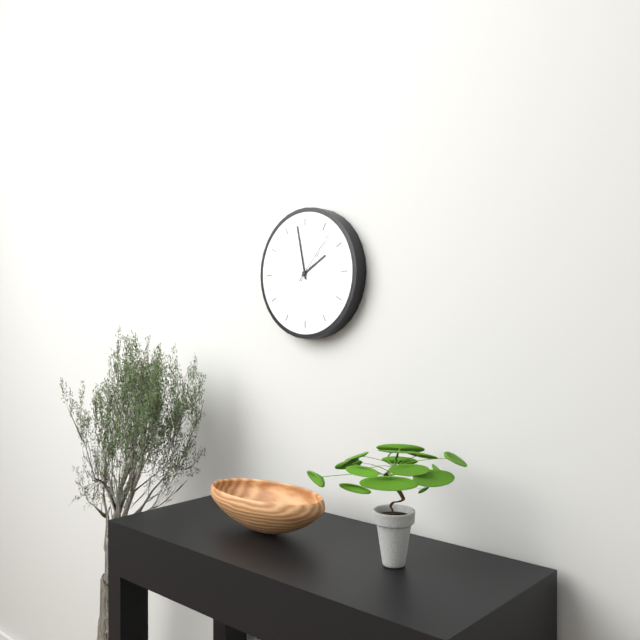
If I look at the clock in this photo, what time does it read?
1:58:07
